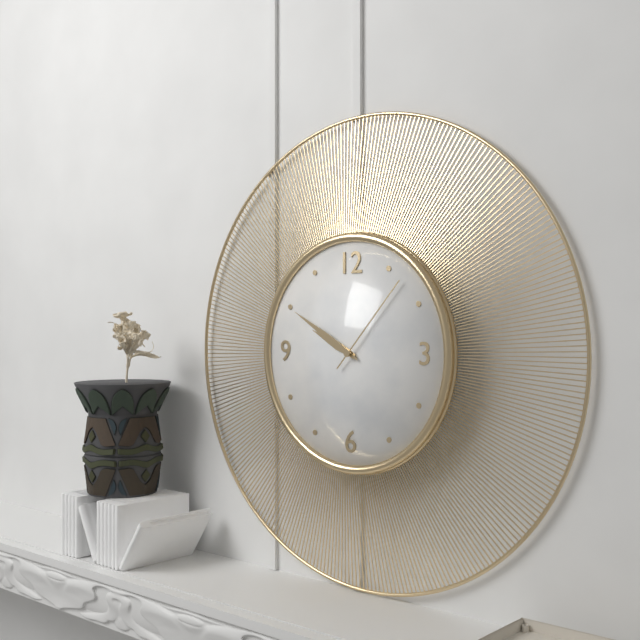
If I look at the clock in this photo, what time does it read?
9:50:07
